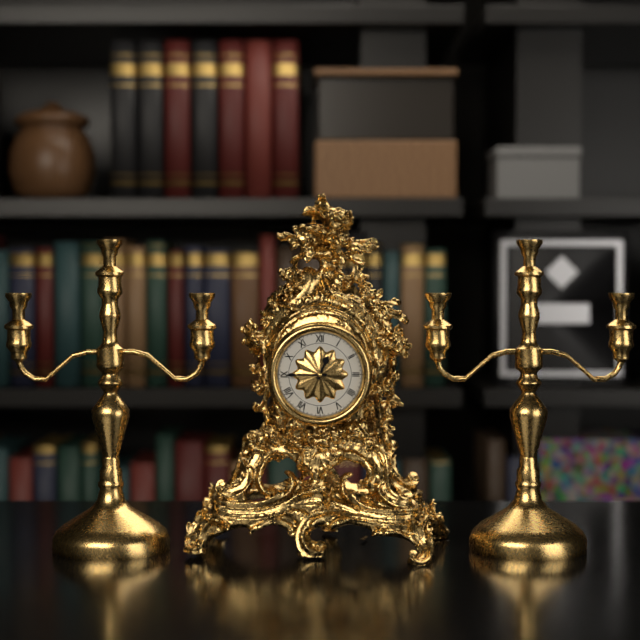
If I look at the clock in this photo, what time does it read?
12:45
